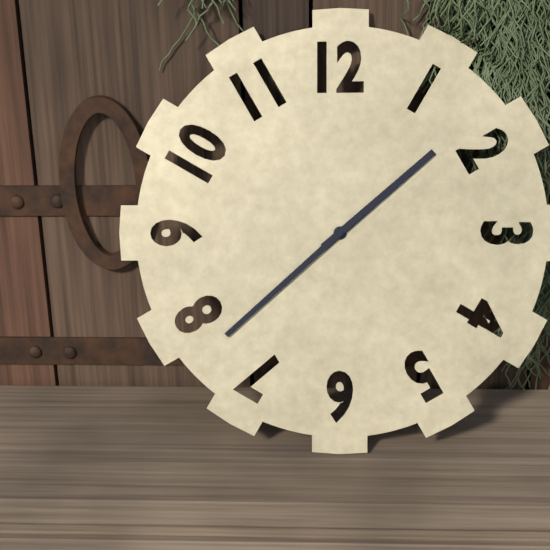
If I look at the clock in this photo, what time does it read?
1:38
